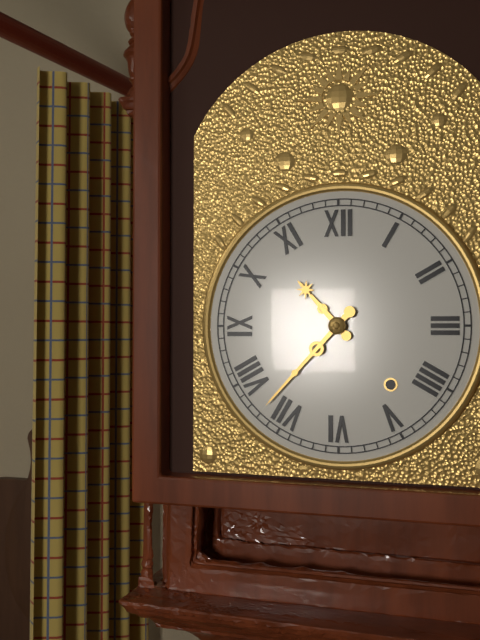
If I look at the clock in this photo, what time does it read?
10:37
